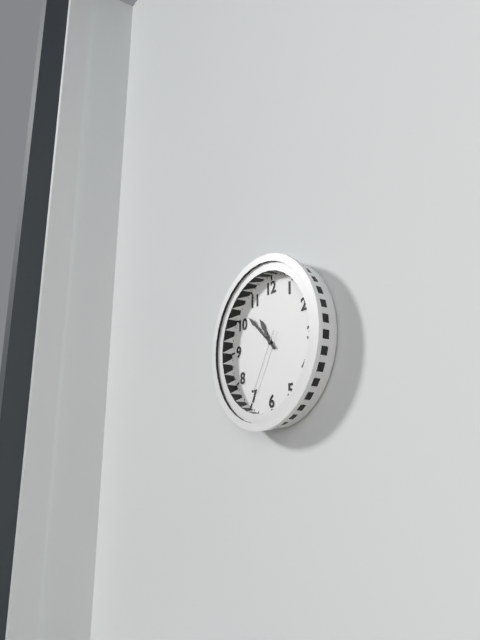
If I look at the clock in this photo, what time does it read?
10:52:35
